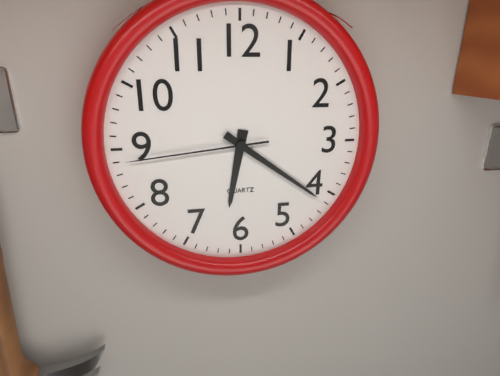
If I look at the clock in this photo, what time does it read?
6:21:44
